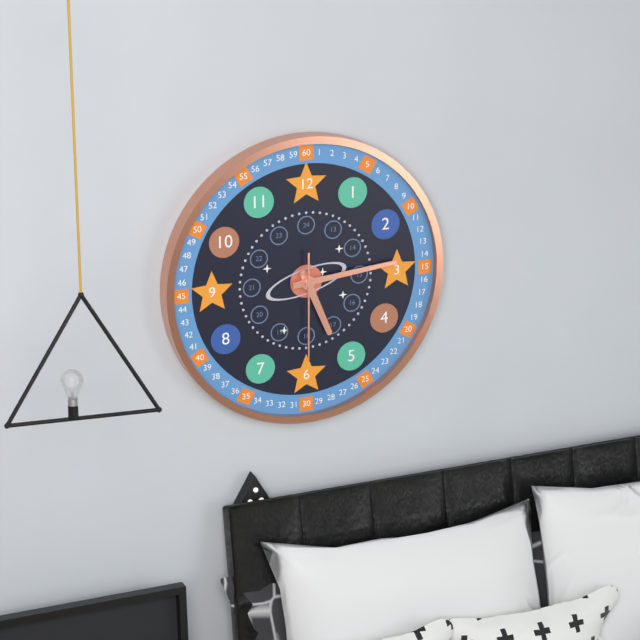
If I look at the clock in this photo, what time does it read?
5:14:30
